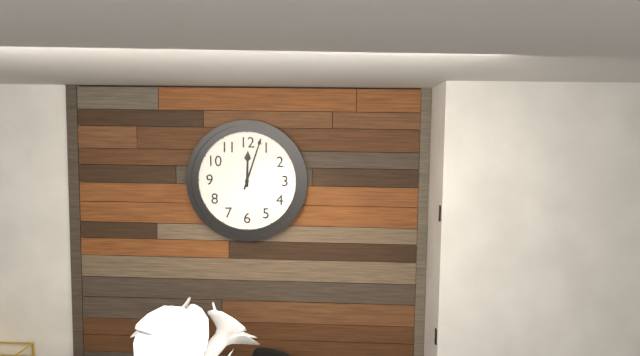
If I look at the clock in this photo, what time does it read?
12:03
